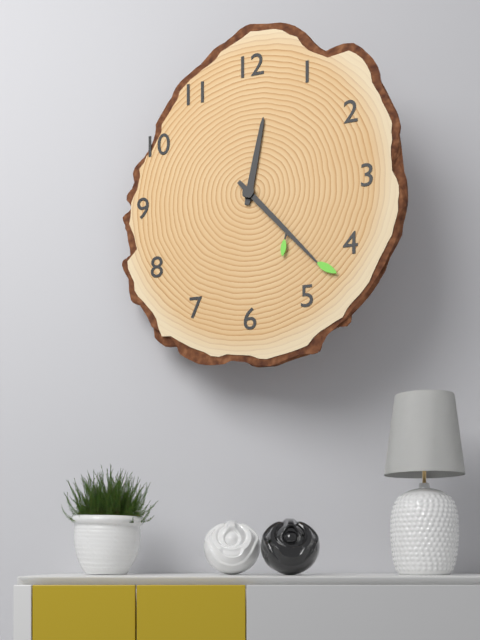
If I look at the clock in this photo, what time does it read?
12:23
